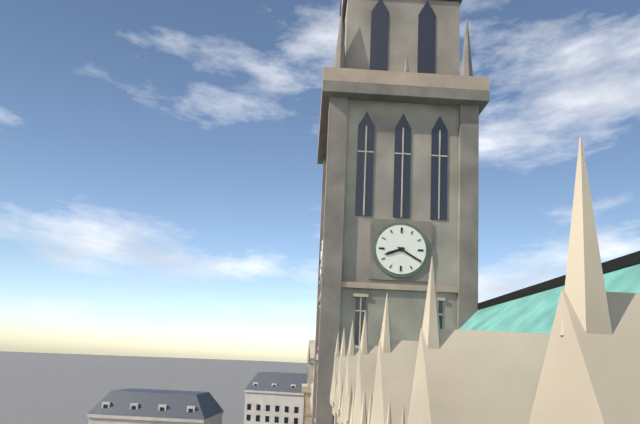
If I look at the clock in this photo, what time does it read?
8:20
